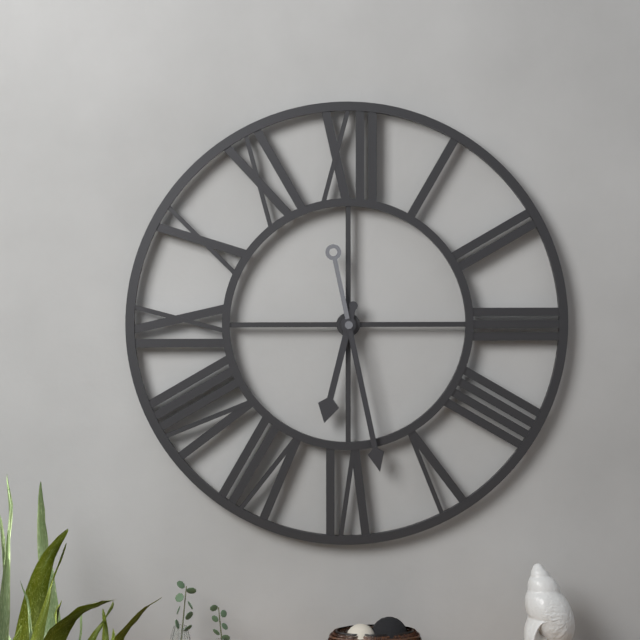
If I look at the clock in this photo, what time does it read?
6:28
